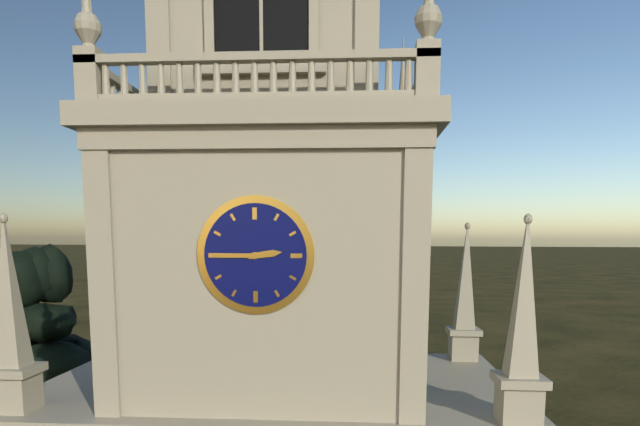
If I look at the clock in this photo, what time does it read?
2:45
